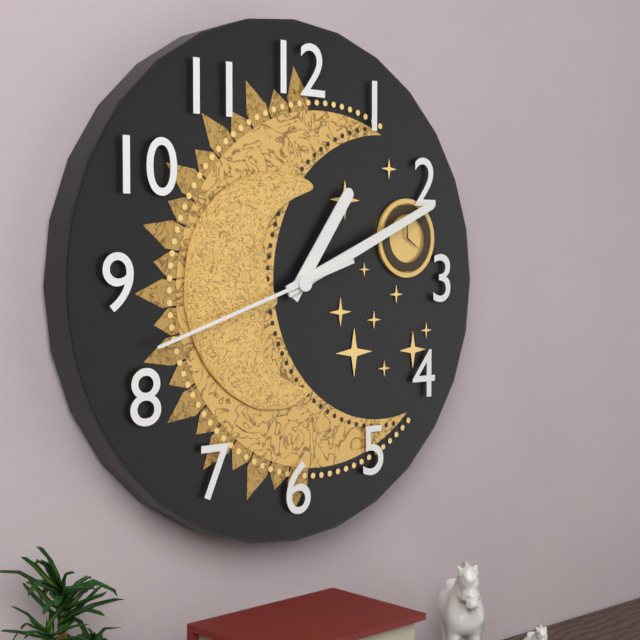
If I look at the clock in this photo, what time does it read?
1:11:42
